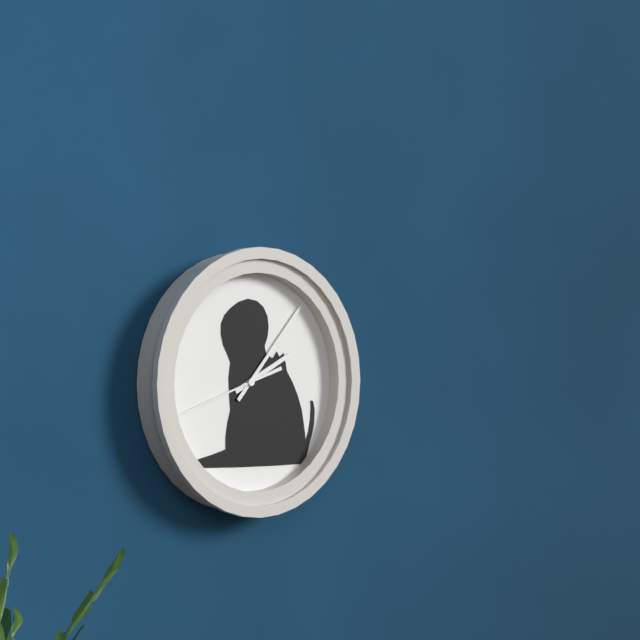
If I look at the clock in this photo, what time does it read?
2:07:42
